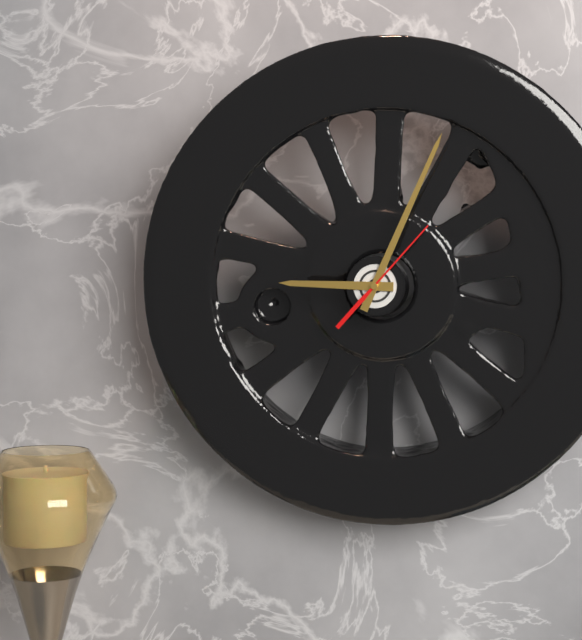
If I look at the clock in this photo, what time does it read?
9:04:07
